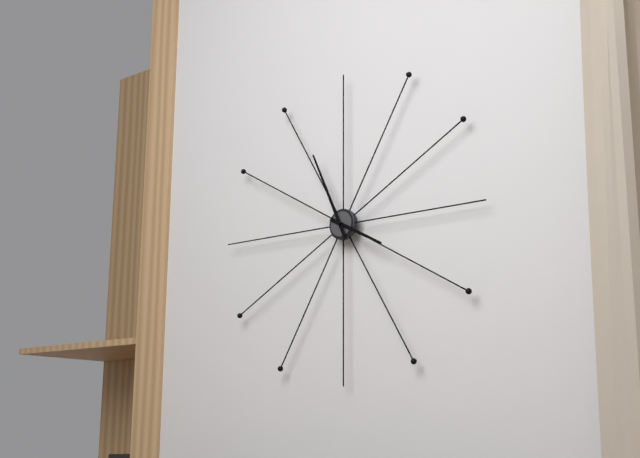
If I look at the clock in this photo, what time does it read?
3:56
